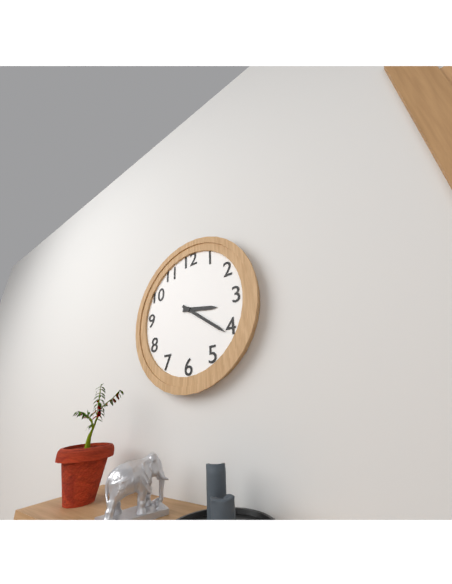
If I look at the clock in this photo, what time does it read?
3:21
